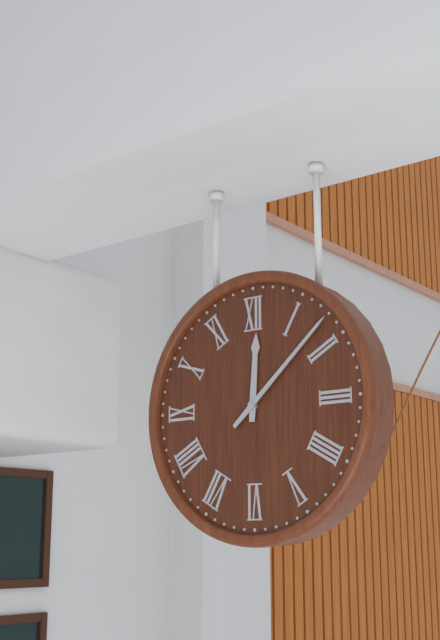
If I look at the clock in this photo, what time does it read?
12:08
